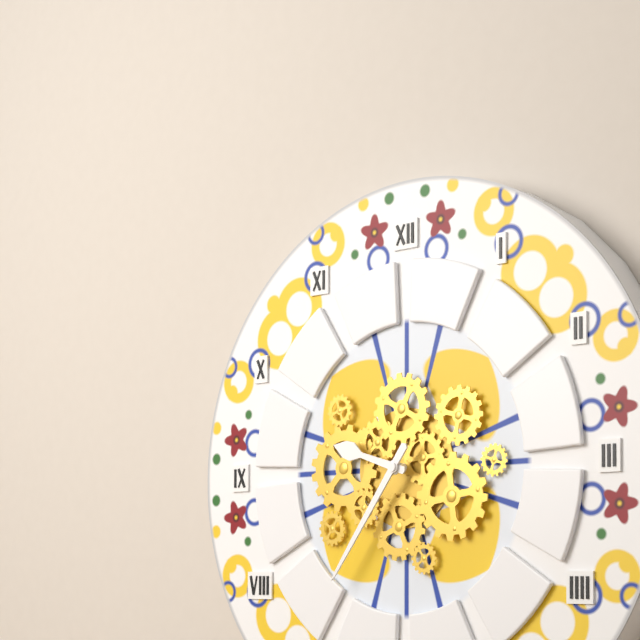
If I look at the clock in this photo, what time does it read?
9:36
